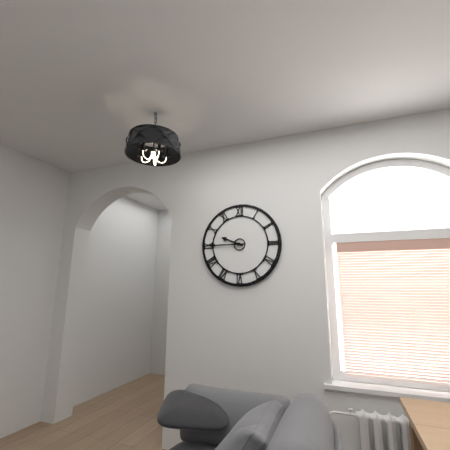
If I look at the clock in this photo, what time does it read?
9:45
